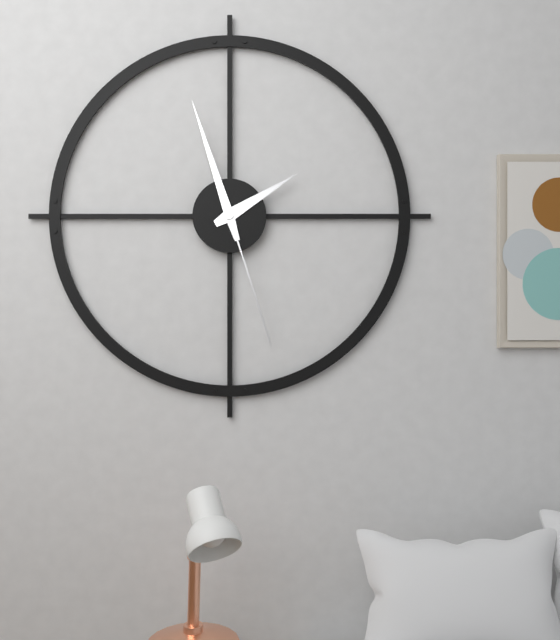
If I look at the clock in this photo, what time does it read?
1:57:27
